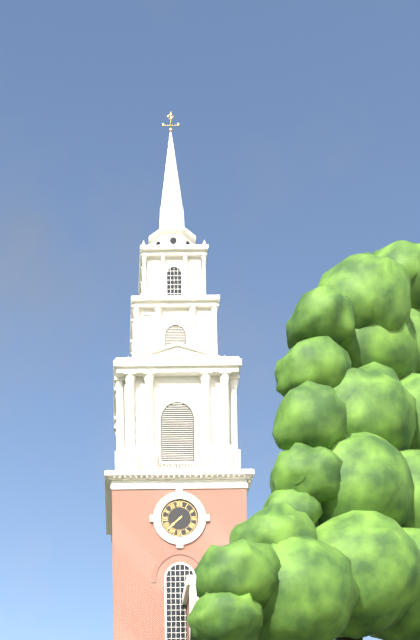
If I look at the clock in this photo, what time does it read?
7:38
